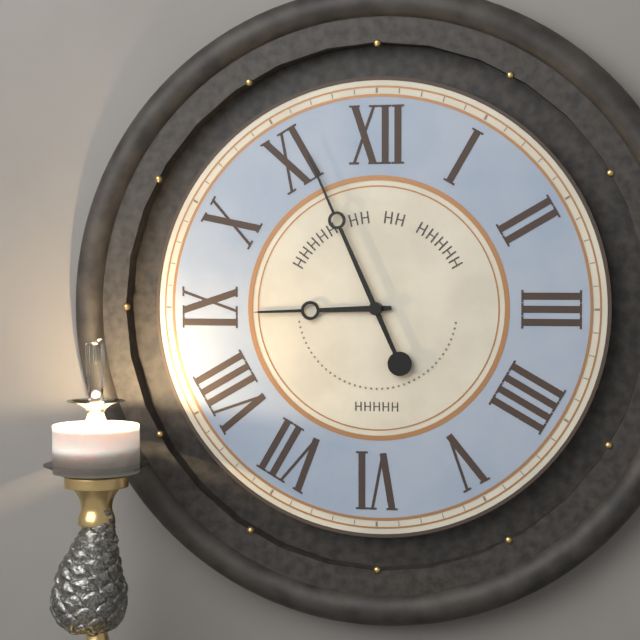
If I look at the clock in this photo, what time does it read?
8:56
